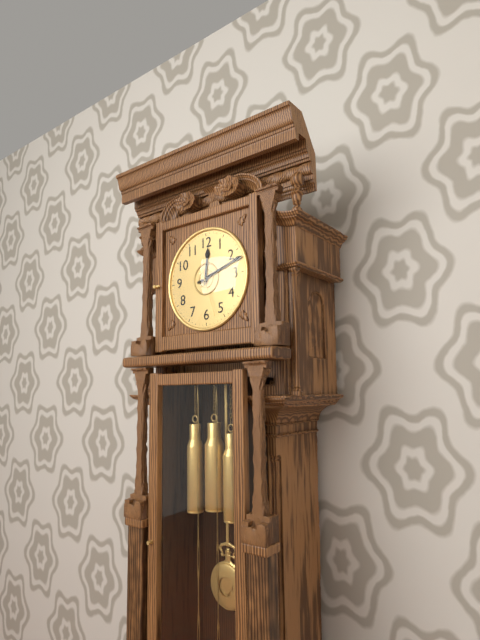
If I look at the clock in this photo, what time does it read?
12:12
